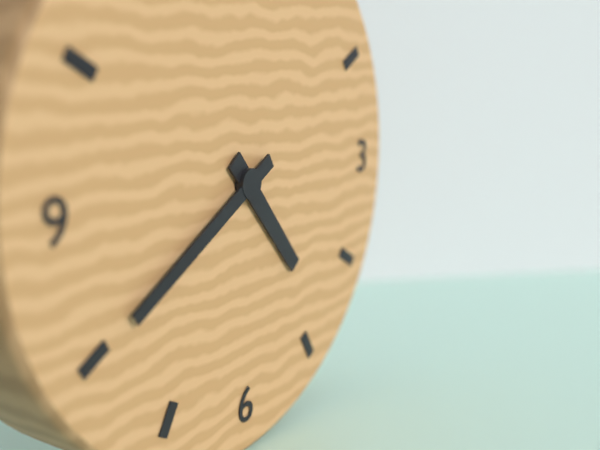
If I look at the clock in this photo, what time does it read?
4:40
